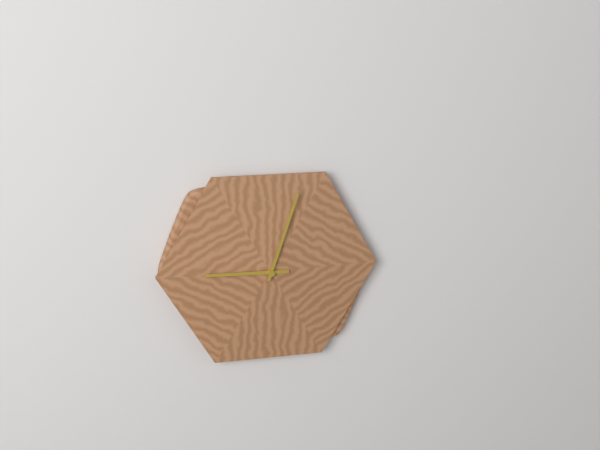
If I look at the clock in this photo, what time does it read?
9:03
